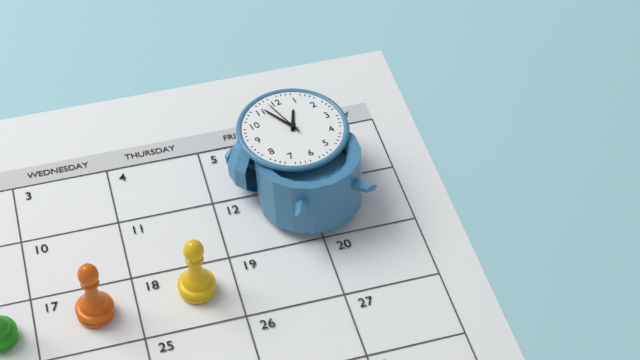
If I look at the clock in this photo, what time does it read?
12:56
